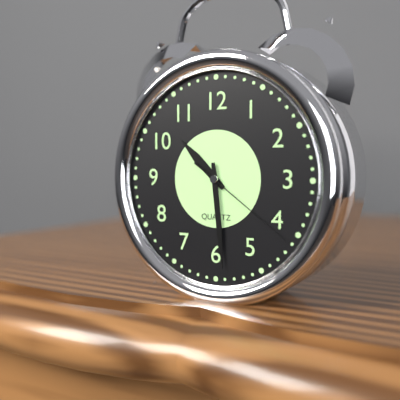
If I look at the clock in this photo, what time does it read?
10:29:21
